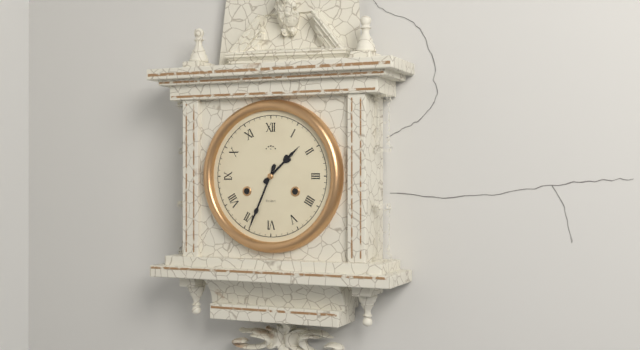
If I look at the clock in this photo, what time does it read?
1:34
